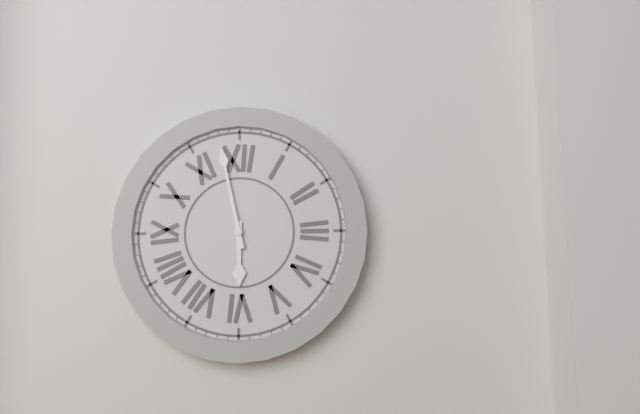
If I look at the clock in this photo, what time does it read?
5:58
